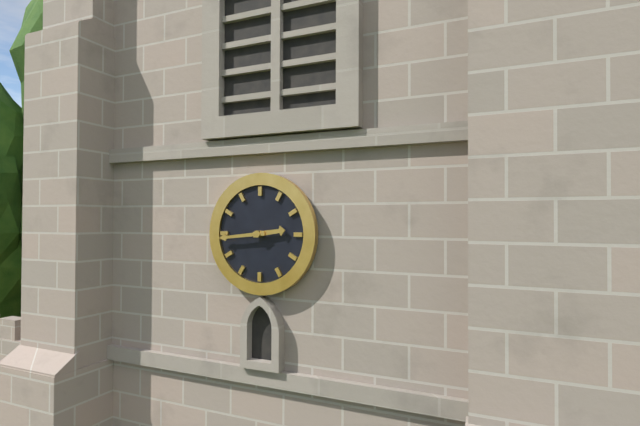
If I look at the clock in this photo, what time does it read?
2:44
